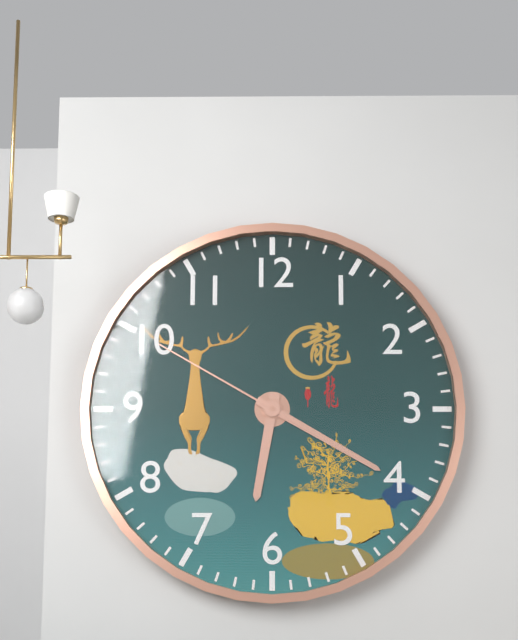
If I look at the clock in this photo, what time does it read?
6:20:50
